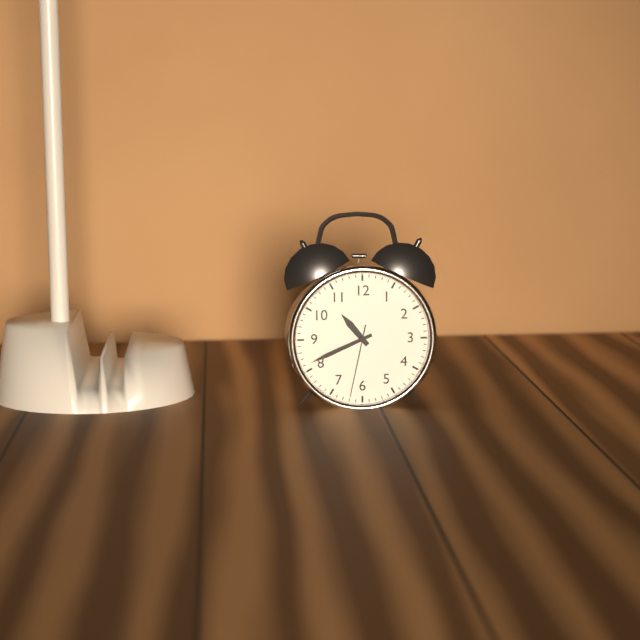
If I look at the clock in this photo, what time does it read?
10:41:32
